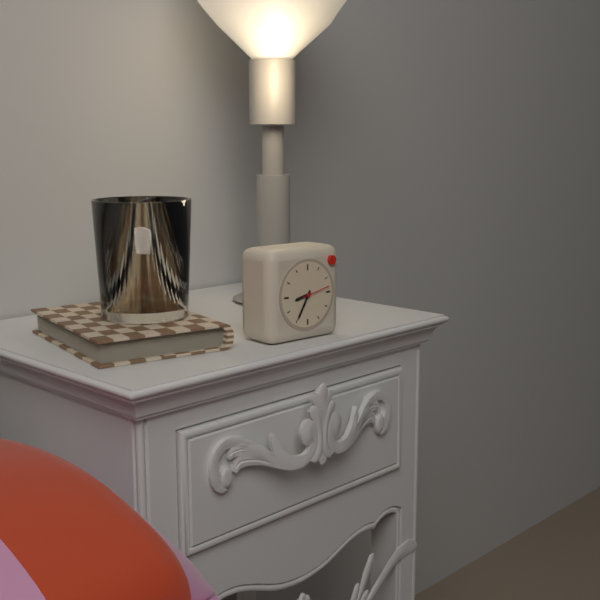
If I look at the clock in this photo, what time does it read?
8:35
